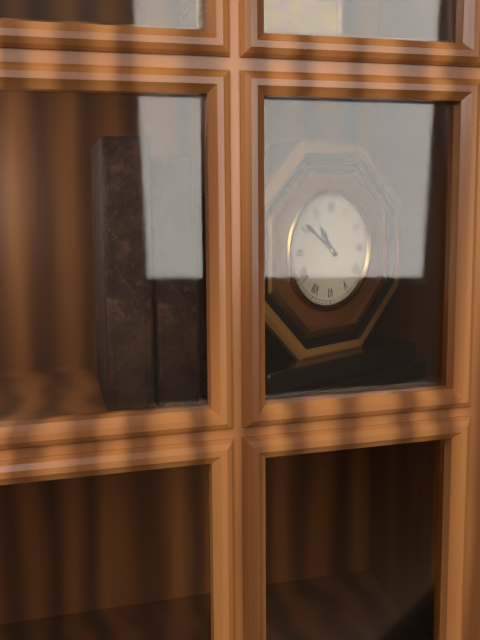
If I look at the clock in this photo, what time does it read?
10:51
